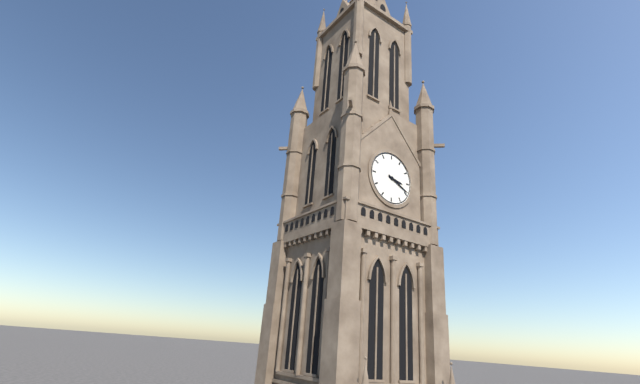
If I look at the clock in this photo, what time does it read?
3:19
